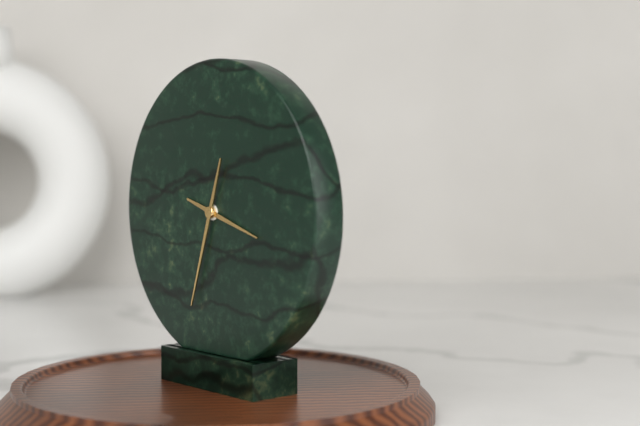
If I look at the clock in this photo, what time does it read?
3:33
